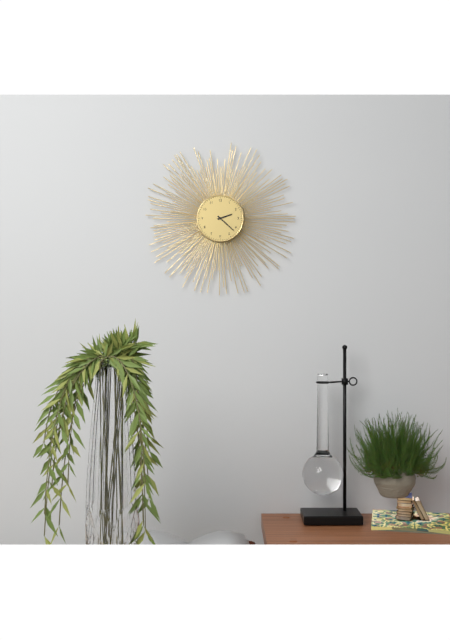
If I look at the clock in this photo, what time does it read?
2:22
